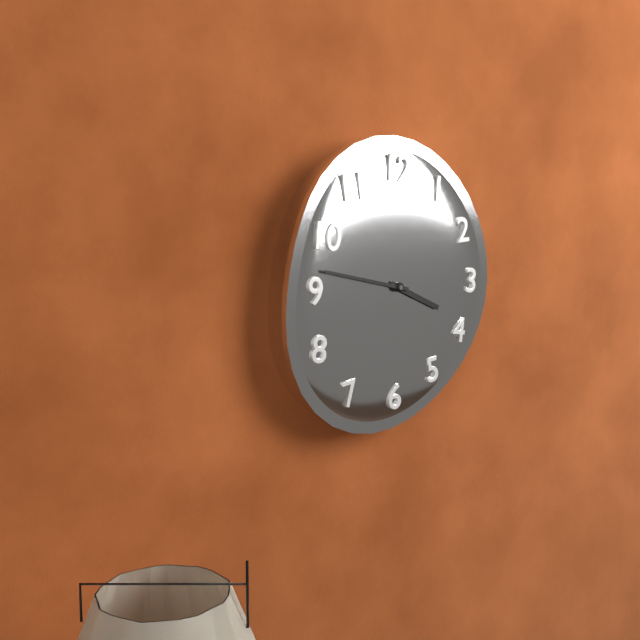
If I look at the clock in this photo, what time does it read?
3:47
